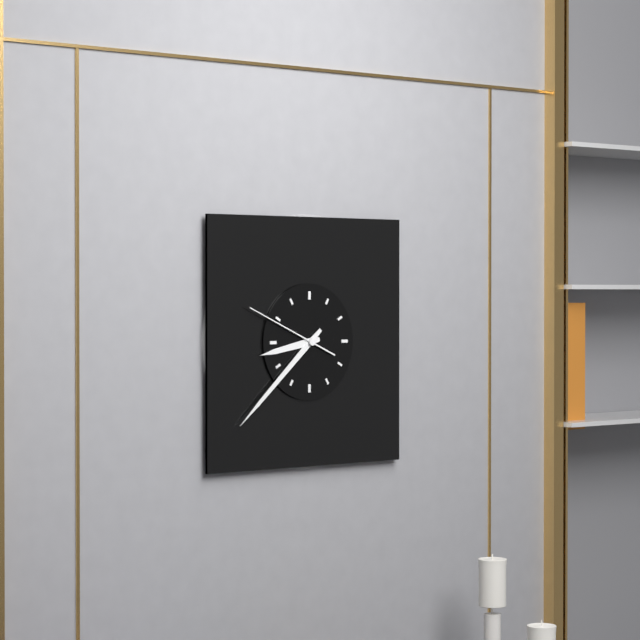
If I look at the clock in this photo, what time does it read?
8:38:49
